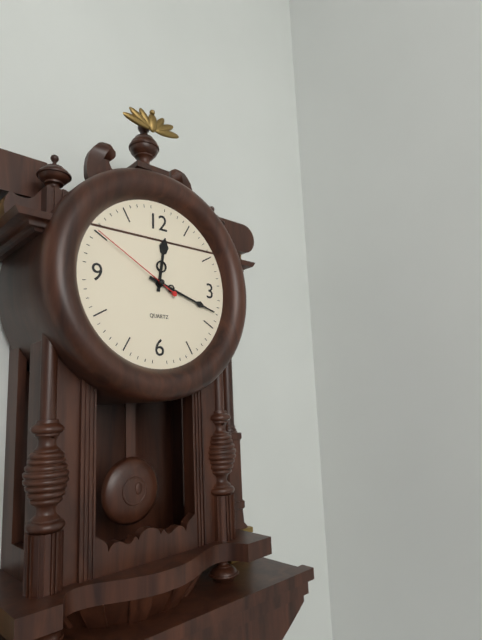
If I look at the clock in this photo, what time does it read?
12:18:50
